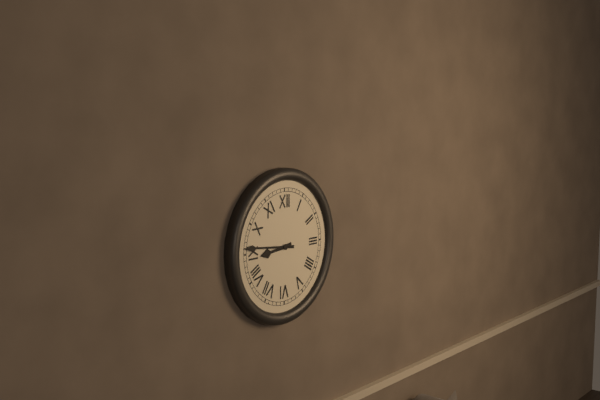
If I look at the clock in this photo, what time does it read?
8:46
